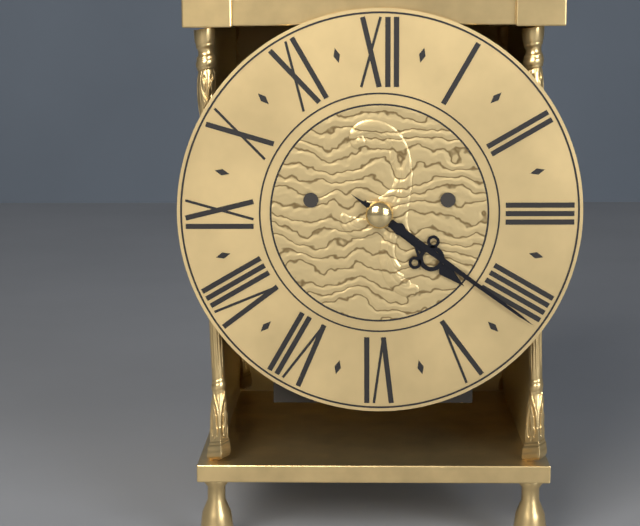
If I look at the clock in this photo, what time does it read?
4:21
